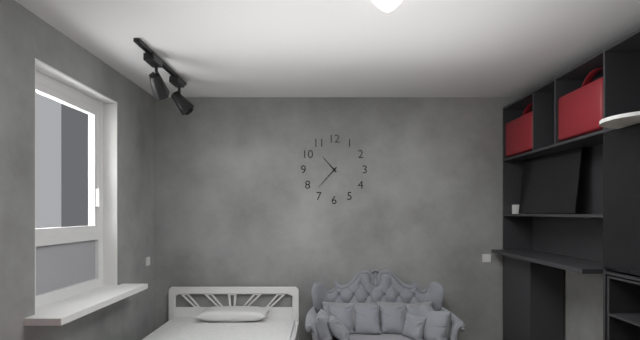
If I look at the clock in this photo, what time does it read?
10:37
